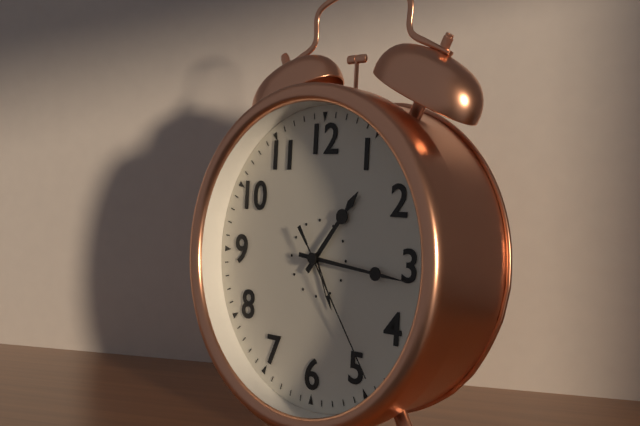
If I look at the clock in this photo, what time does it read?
1:16:24
